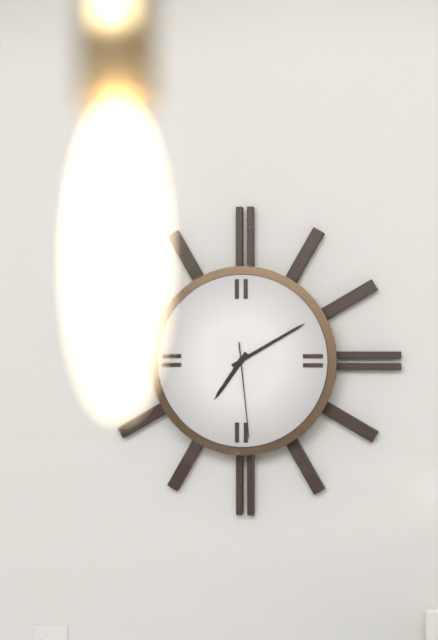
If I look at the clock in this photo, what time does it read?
7:10:29
